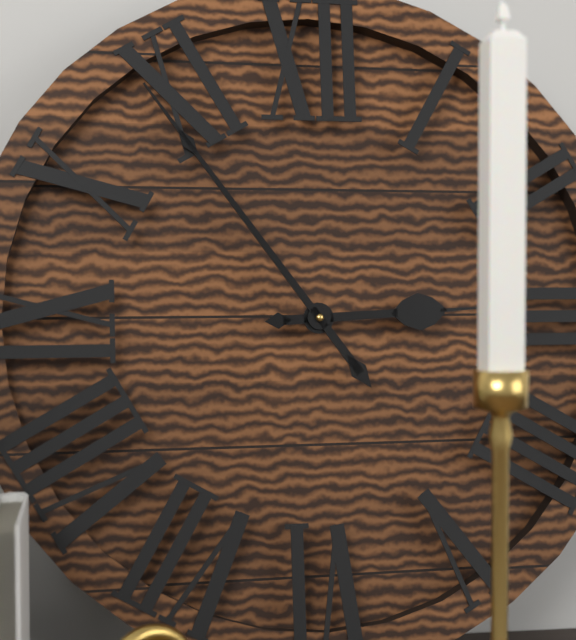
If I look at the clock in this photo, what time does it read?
2:54
